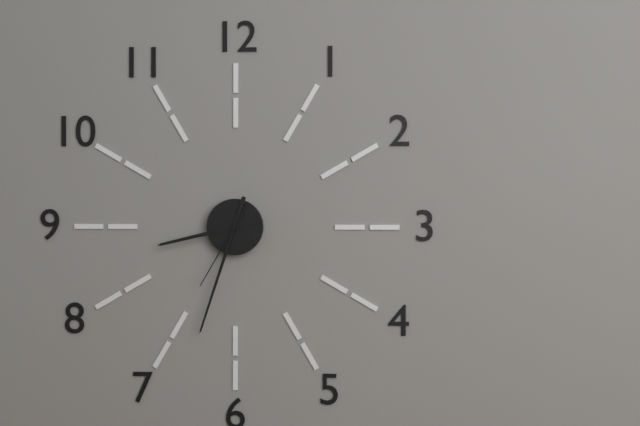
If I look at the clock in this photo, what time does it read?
8:33:35
